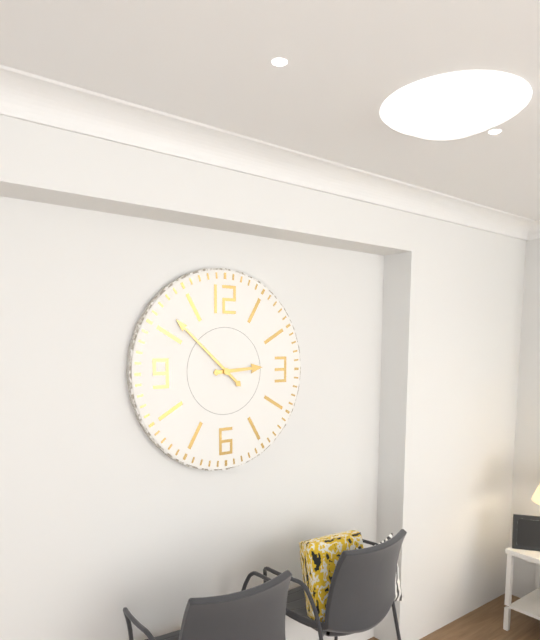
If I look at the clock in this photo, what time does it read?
2:52
